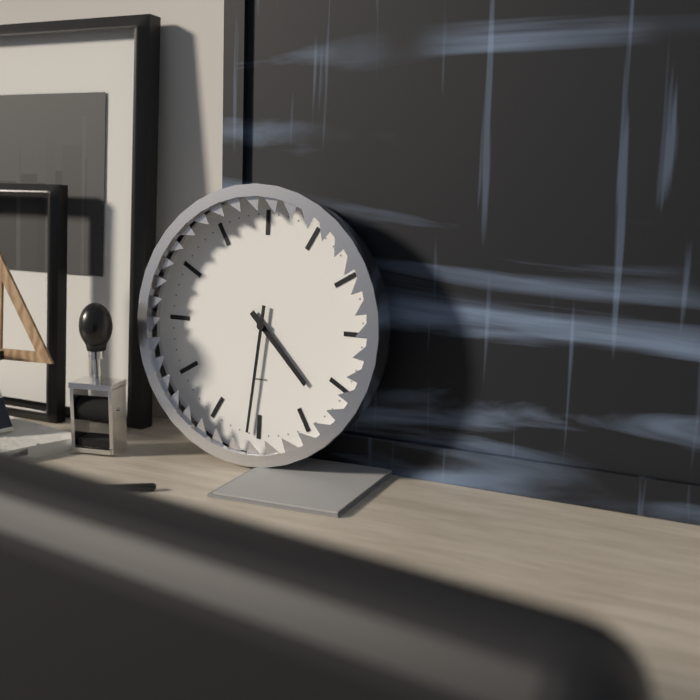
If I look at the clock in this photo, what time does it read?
4:31
